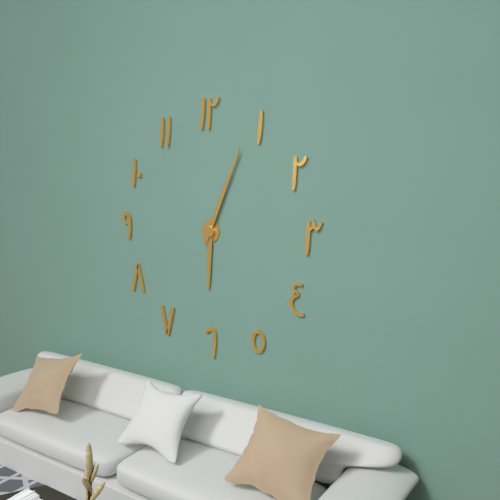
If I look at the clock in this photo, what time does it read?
6:04
